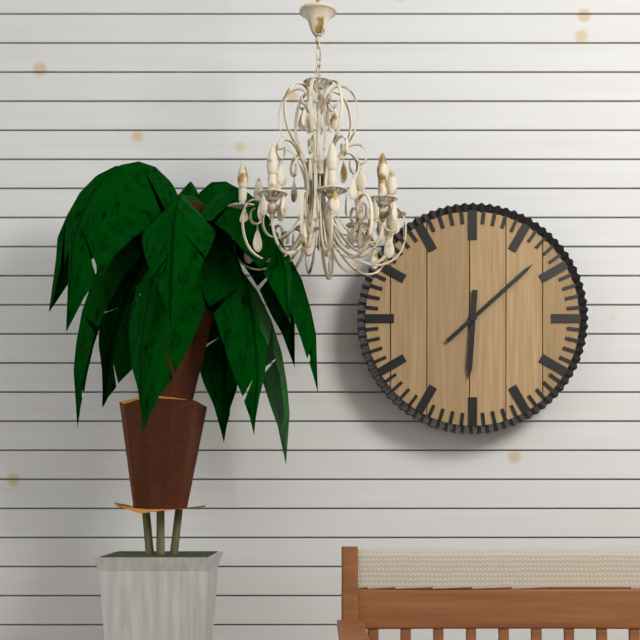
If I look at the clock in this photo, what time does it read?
6:08
